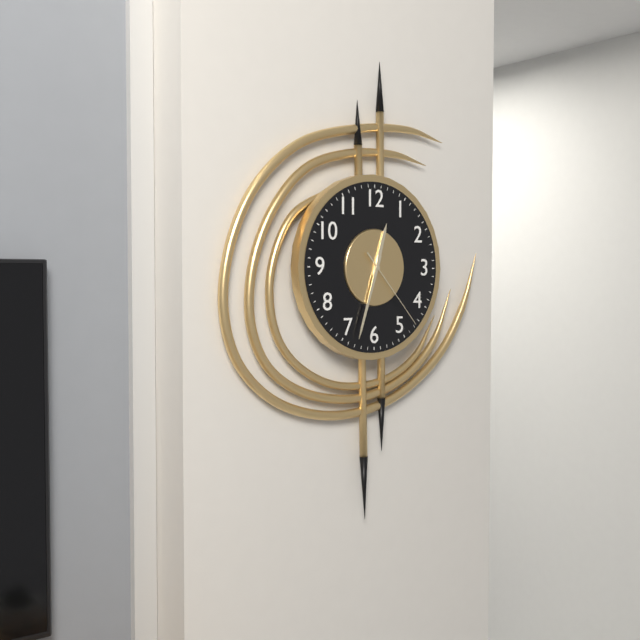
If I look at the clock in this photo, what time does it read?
12:33:23
